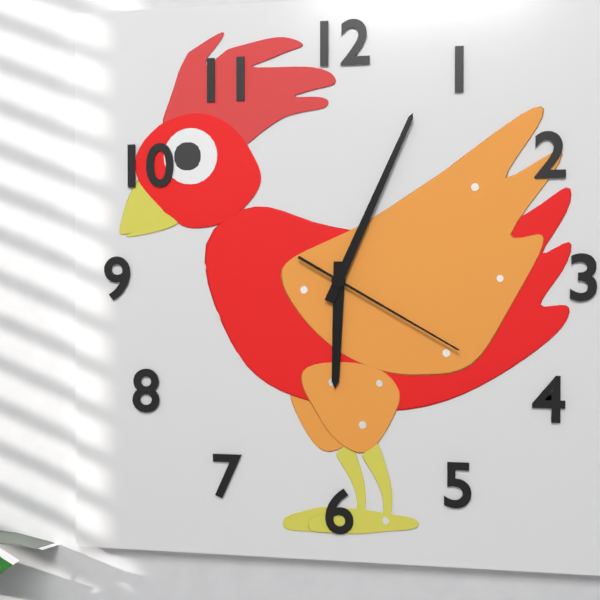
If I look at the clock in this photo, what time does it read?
6:04:20
